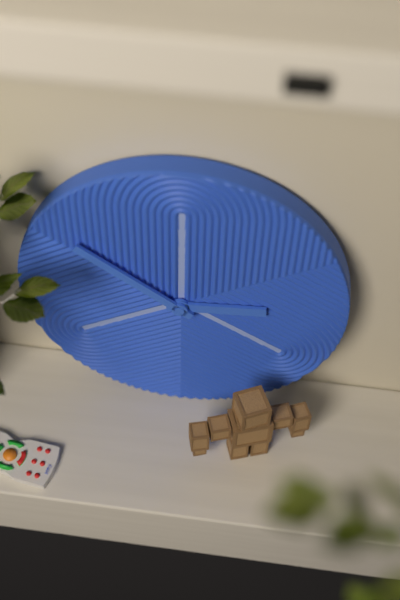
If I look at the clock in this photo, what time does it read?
2:51
